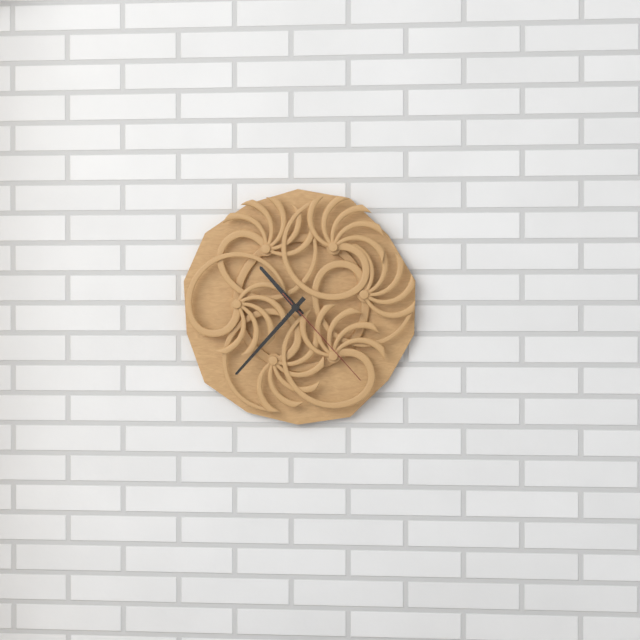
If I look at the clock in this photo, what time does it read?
10:37:23
